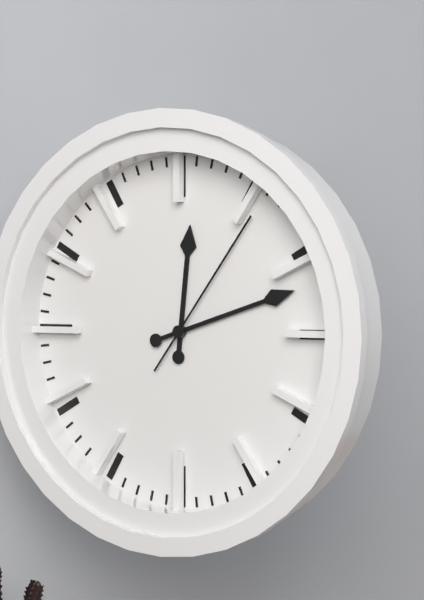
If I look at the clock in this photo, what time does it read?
12:12:06
